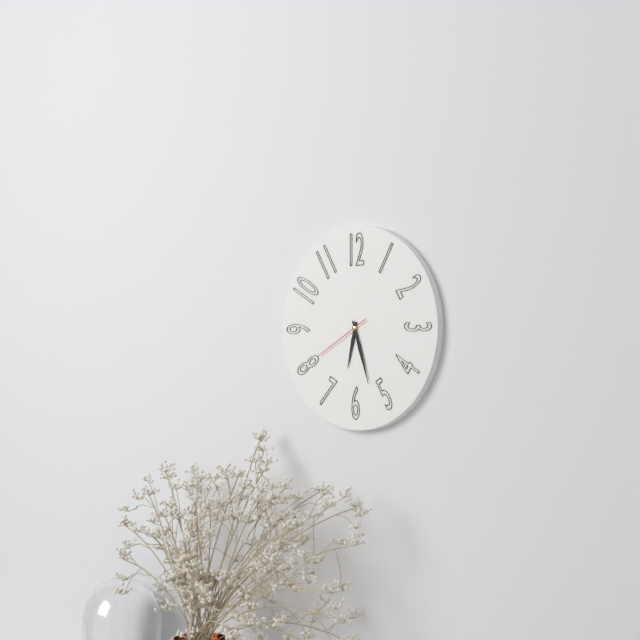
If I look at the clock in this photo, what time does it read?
6:27:40
